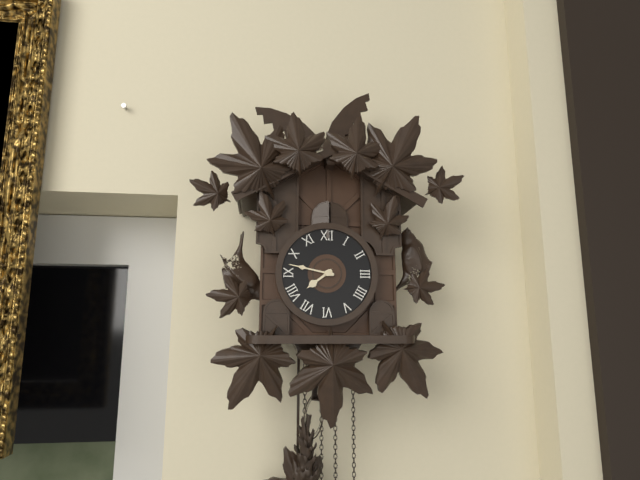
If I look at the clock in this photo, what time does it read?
7:47
